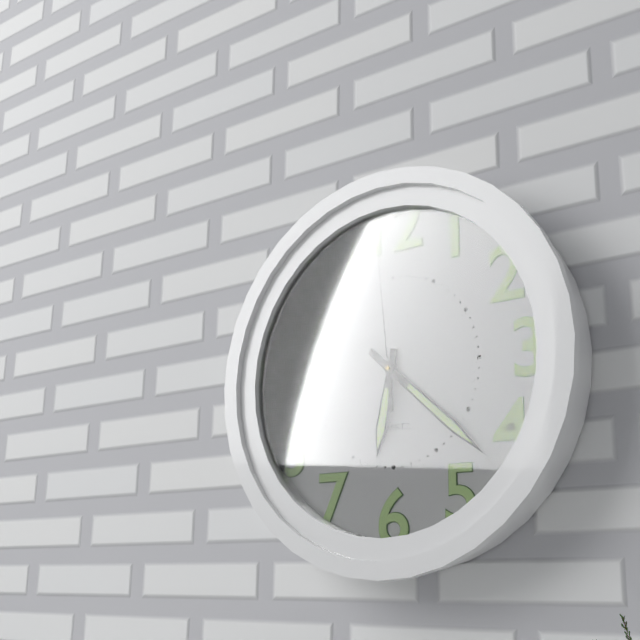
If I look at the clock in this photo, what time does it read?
6:22:59
